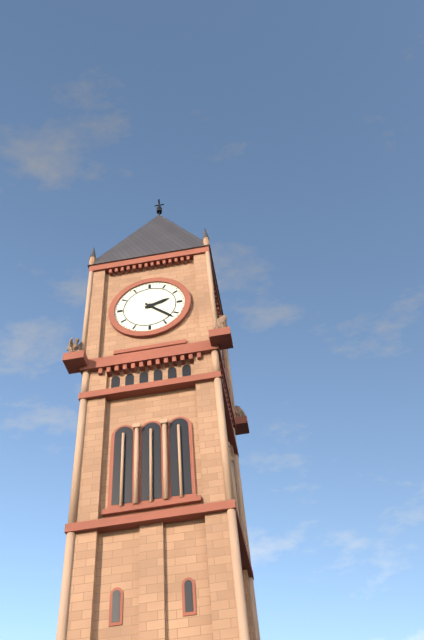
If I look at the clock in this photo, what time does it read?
2:22
